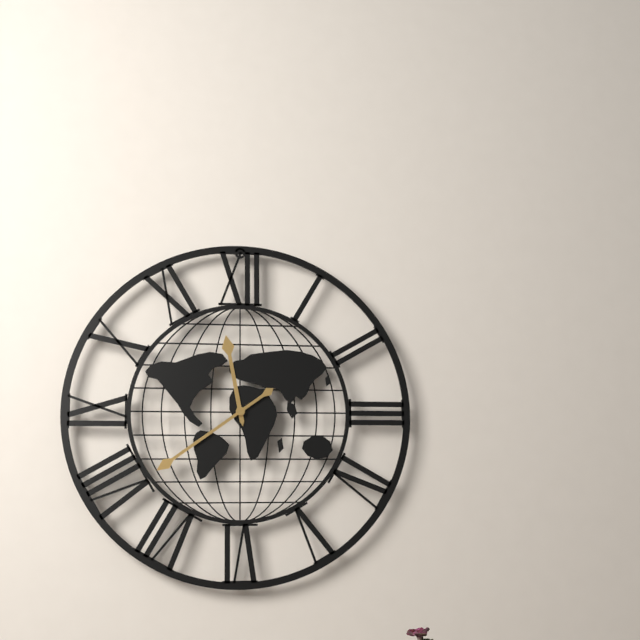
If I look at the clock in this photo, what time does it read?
11:39
